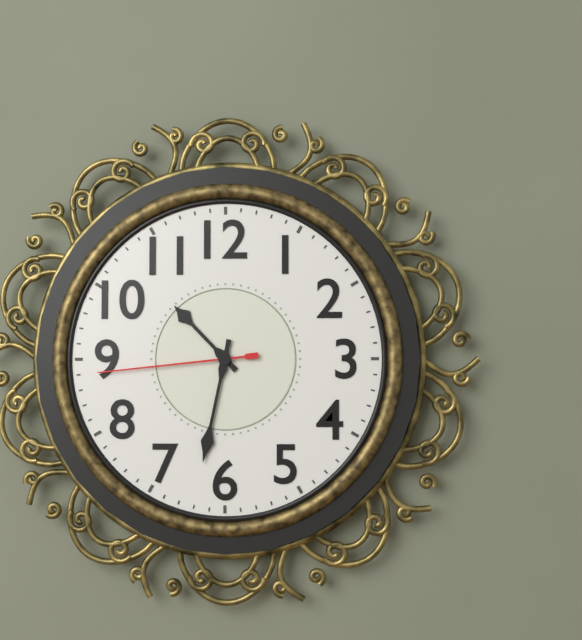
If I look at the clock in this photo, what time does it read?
10:32:44
